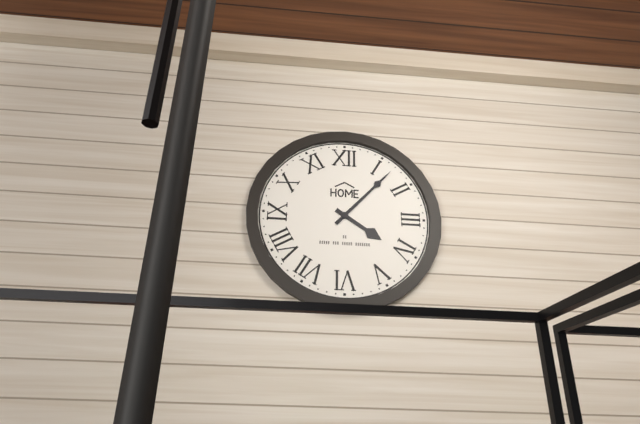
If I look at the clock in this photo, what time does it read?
4:07
